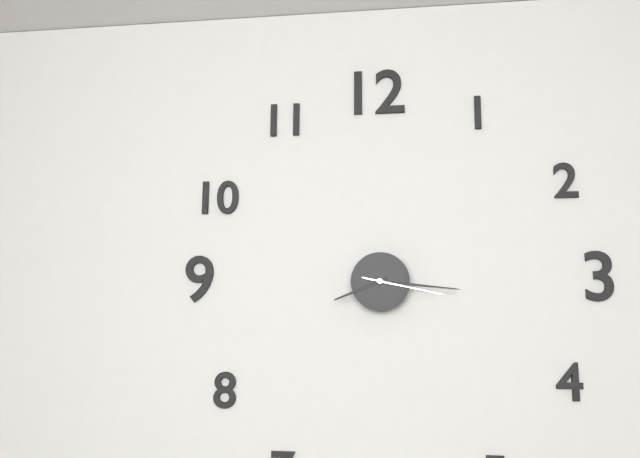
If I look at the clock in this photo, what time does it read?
8:16:17
